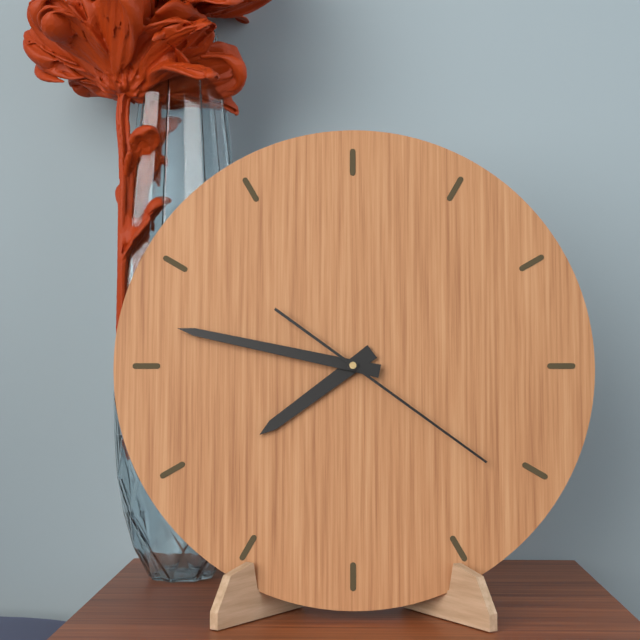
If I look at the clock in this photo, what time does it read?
7:47:21
